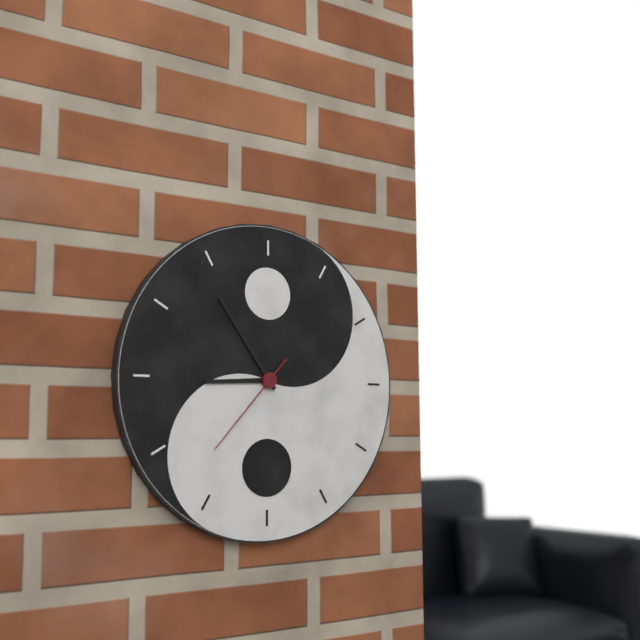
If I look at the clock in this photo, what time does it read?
8:54:37
